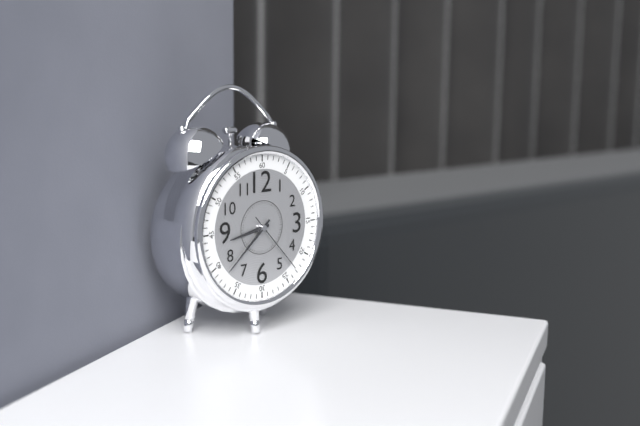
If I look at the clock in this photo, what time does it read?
8:38:23
